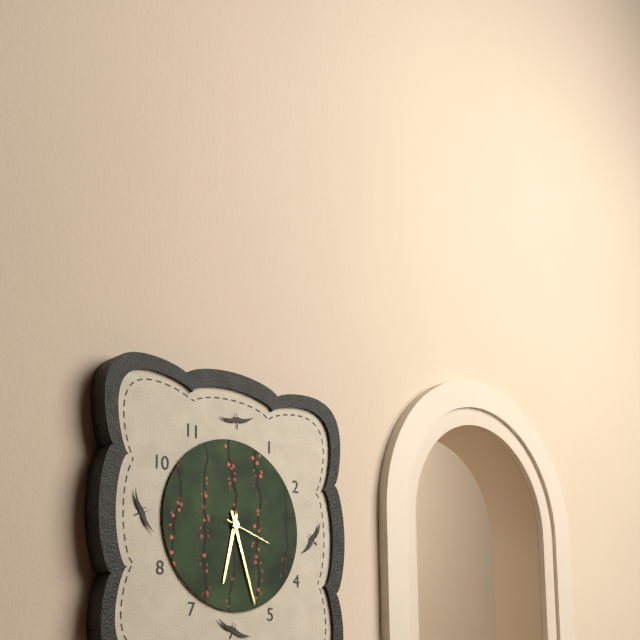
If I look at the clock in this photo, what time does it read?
6:27
